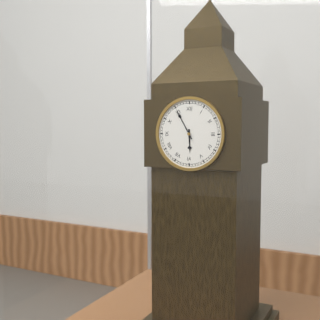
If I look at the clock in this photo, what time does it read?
5:55
